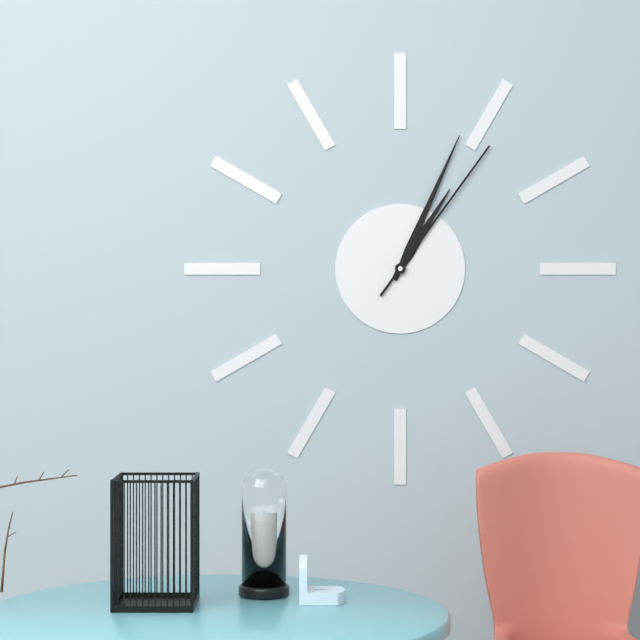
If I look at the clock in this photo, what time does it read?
1:04:06
